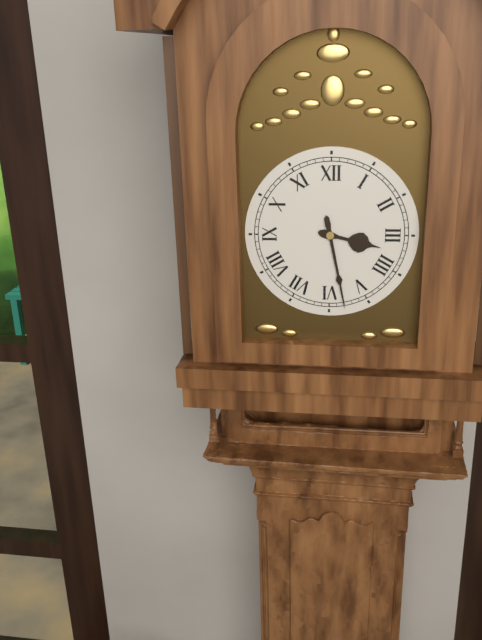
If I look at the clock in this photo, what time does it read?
3:28
